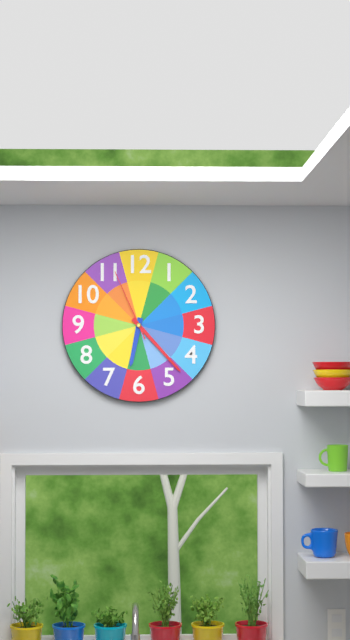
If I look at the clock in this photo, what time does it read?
6:23:56
